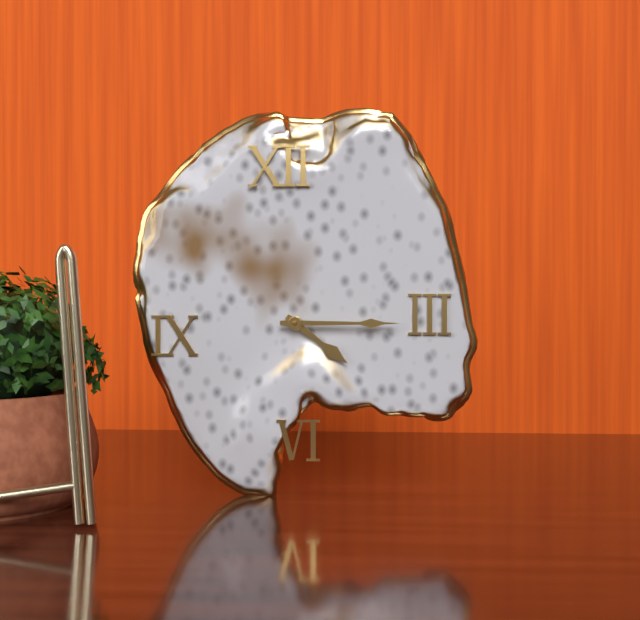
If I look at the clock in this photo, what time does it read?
4:15
